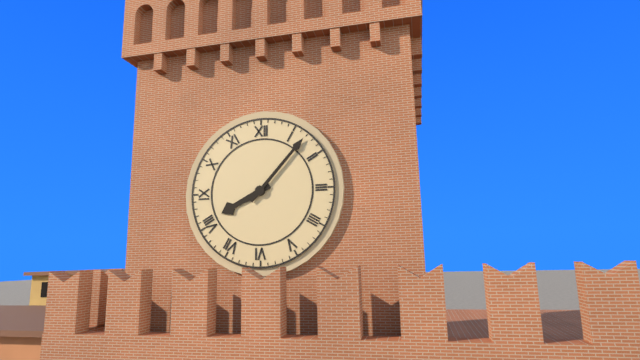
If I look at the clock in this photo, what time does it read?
8:07
